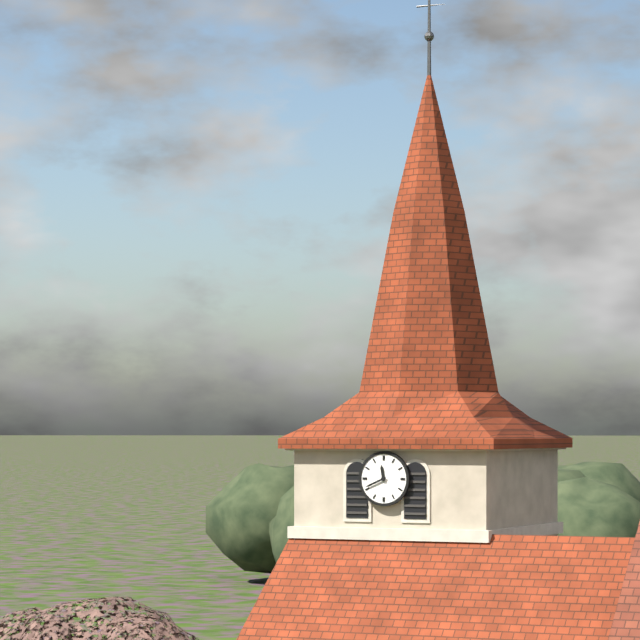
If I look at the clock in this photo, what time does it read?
11:41
